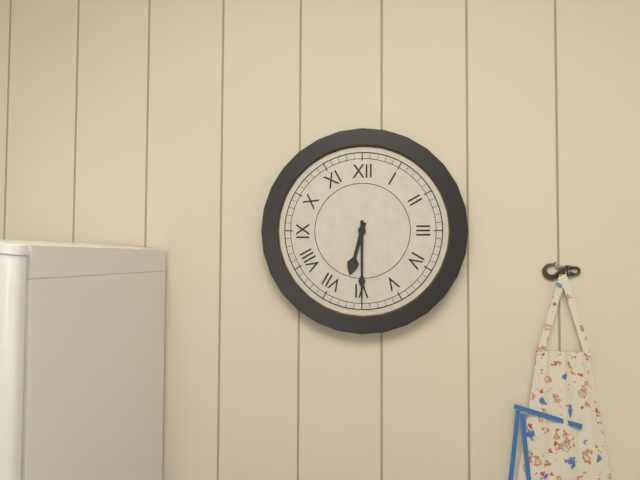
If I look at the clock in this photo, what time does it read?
6:30
